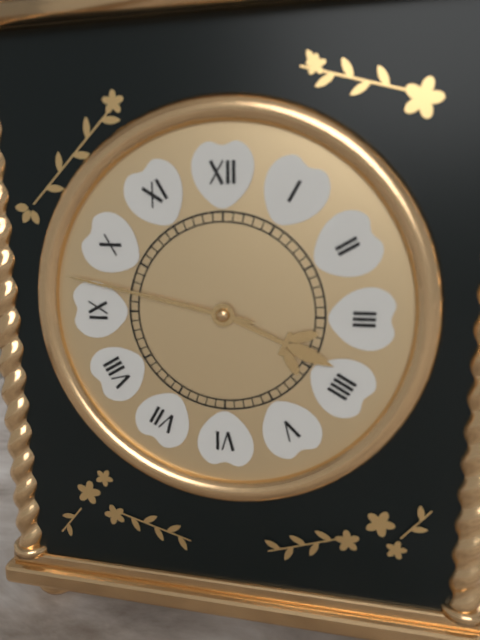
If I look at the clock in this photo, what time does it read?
3:47
